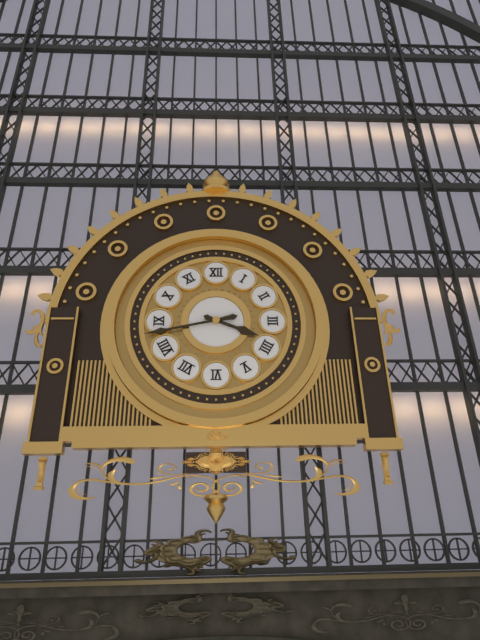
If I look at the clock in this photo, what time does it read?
3:43
